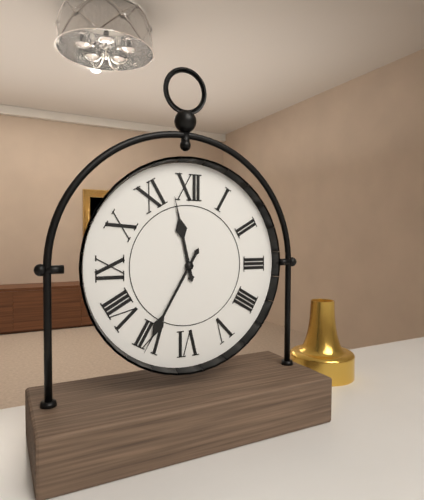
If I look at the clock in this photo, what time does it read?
11:35
